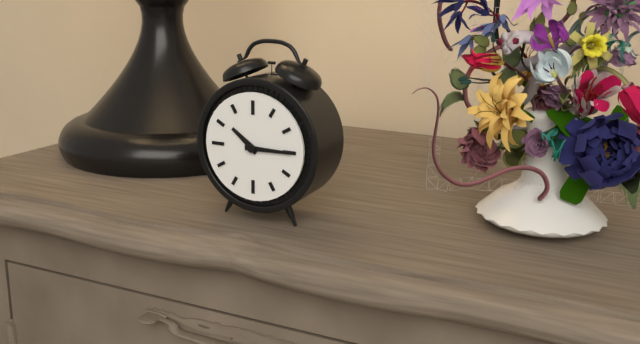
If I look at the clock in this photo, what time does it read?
10:15
